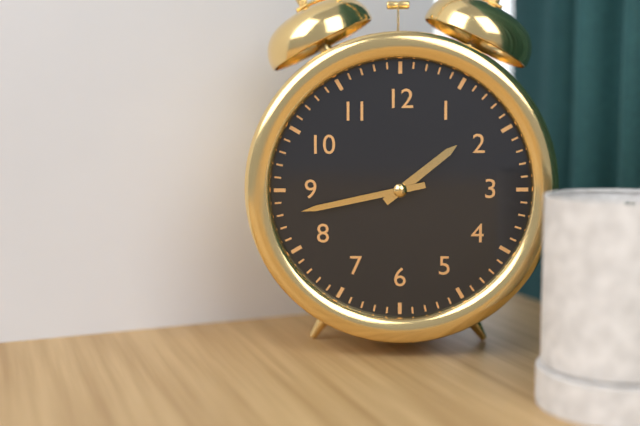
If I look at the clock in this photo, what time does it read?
1:43
